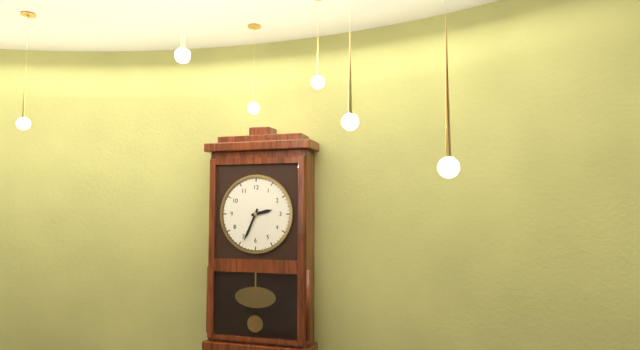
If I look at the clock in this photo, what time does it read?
2:34
